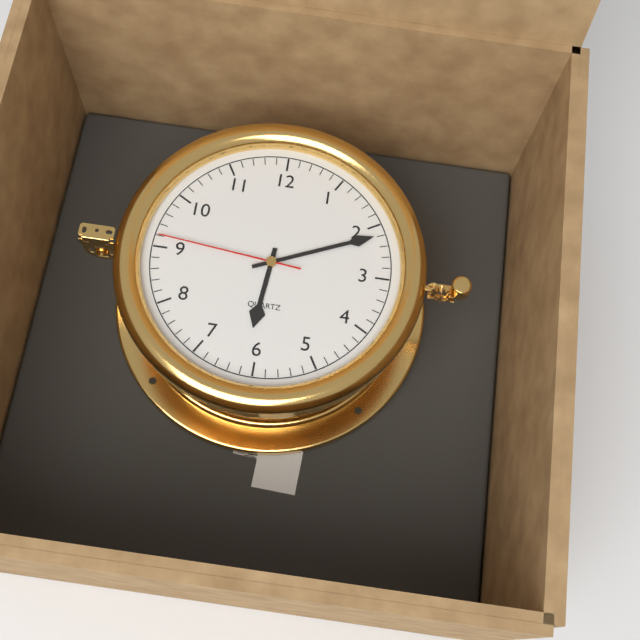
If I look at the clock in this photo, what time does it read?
6:11:46
